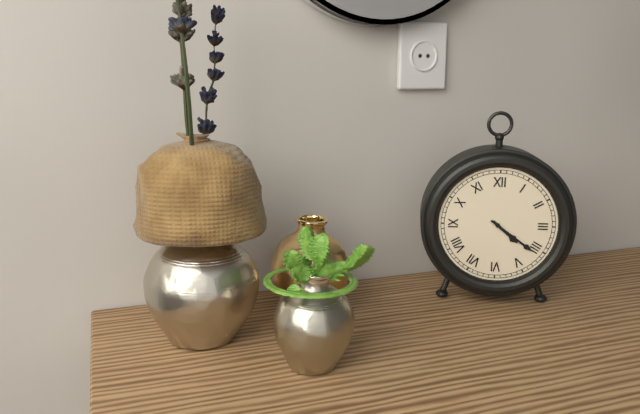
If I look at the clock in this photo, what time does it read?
4:21
